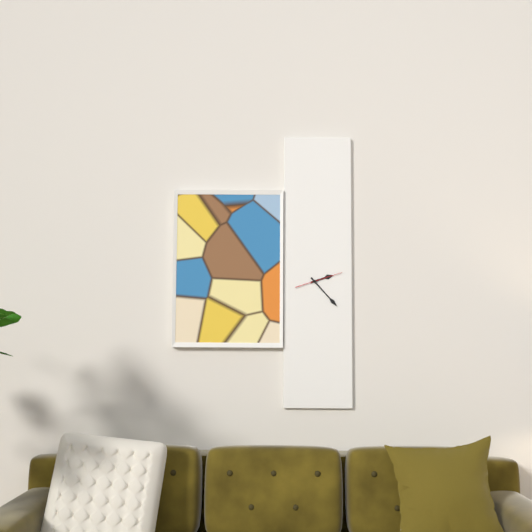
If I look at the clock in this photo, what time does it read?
2:23
